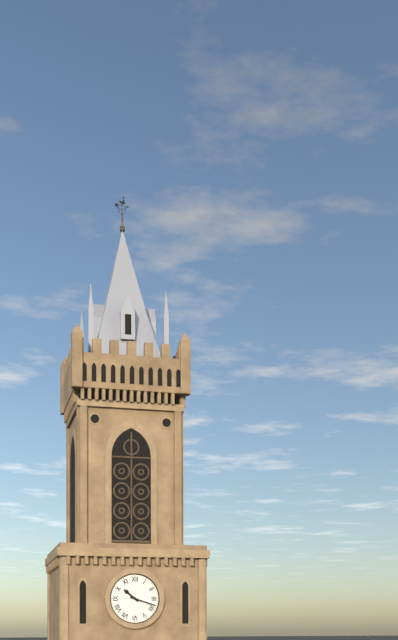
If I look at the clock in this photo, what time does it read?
10:18
